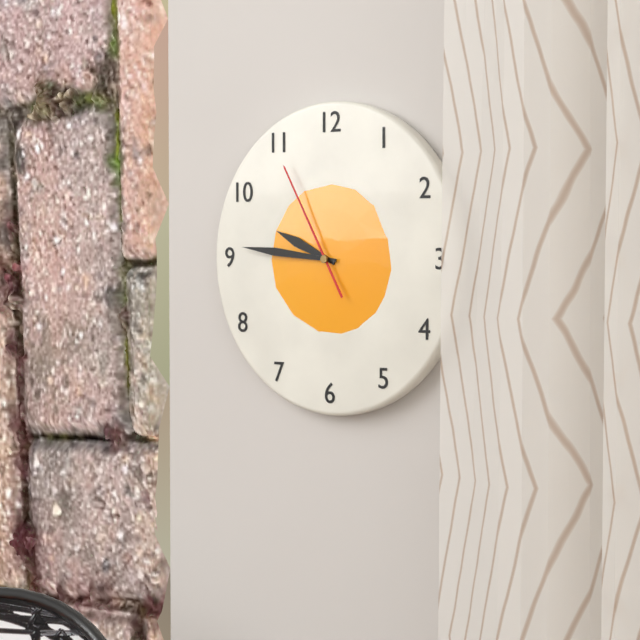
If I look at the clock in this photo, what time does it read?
9:46:55
